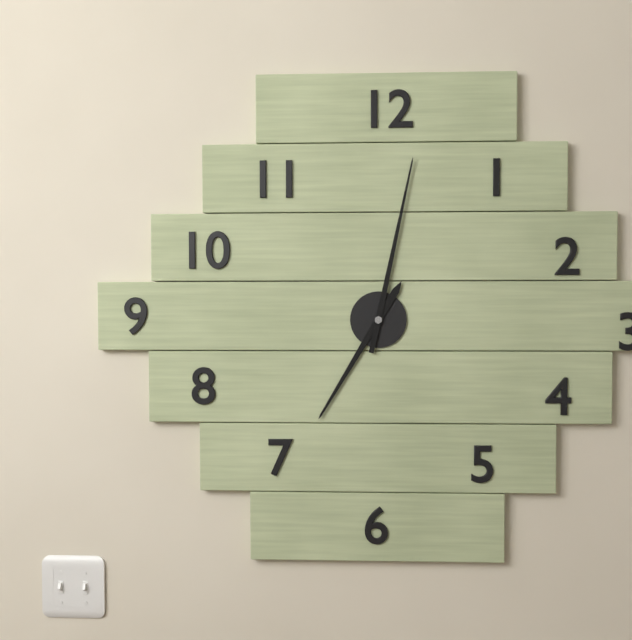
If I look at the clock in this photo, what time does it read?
7:02
